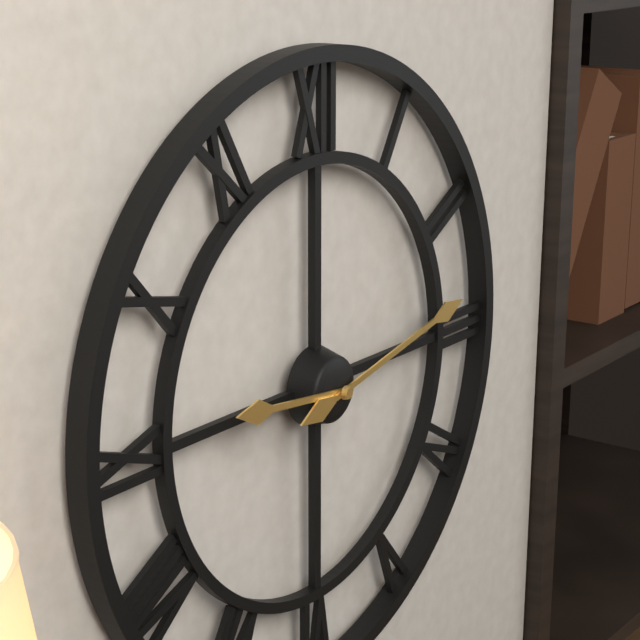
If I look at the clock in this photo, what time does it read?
9:13
